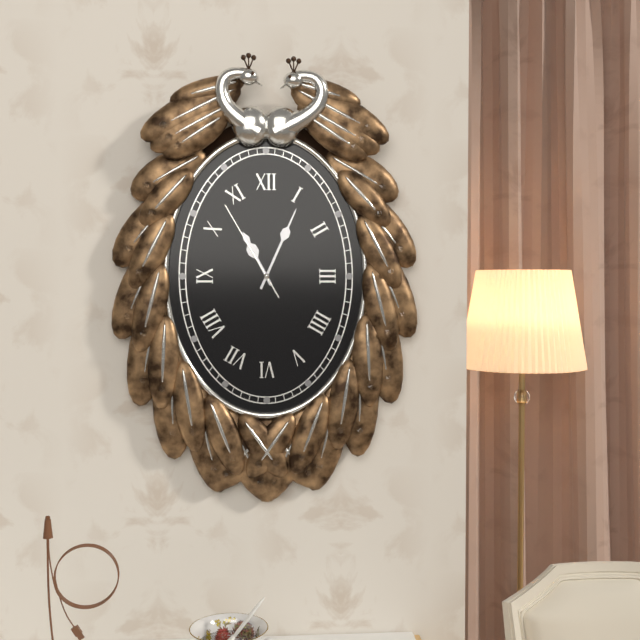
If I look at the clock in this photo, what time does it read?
11:04:55
